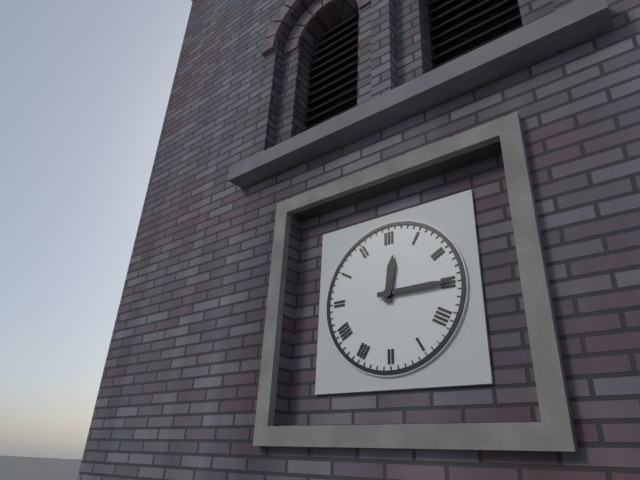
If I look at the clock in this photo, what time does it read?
12:15
